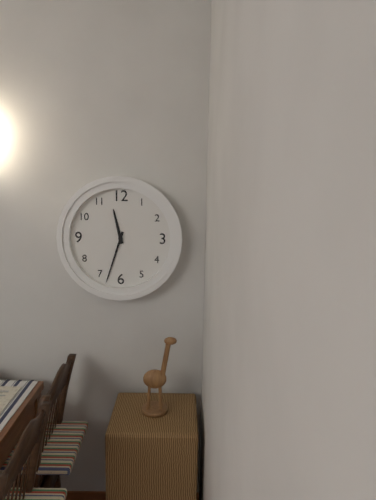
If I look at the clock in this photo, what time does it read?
11:33
